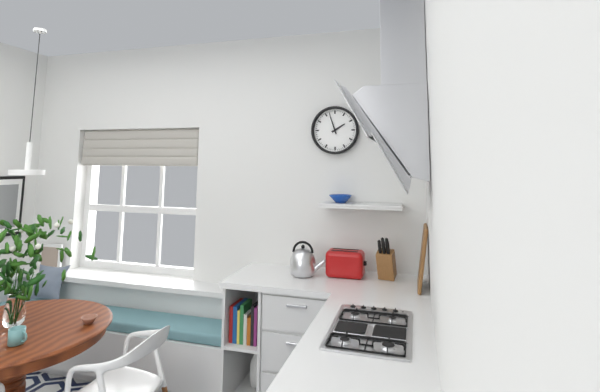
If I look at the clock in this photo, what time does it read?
1:57
